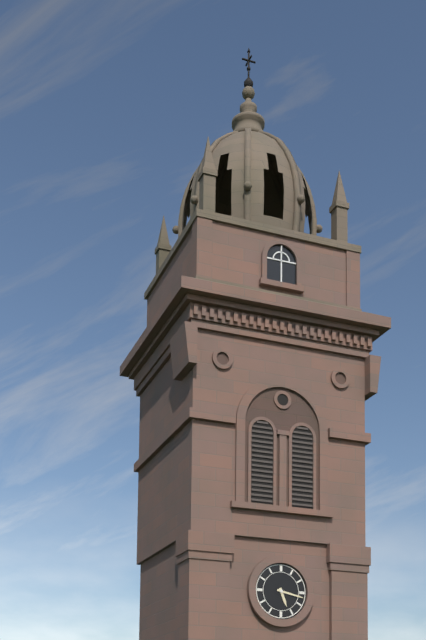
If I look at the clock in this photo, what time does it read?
5:17
